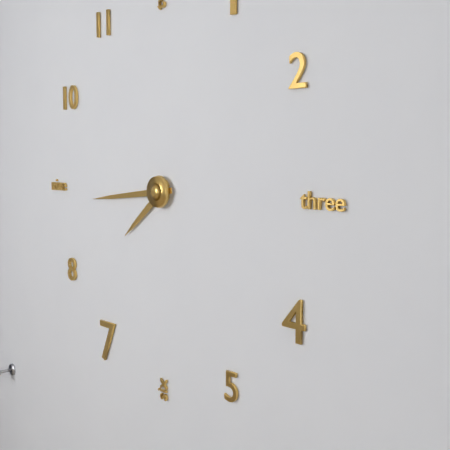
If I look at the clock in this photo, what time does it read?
7:44
